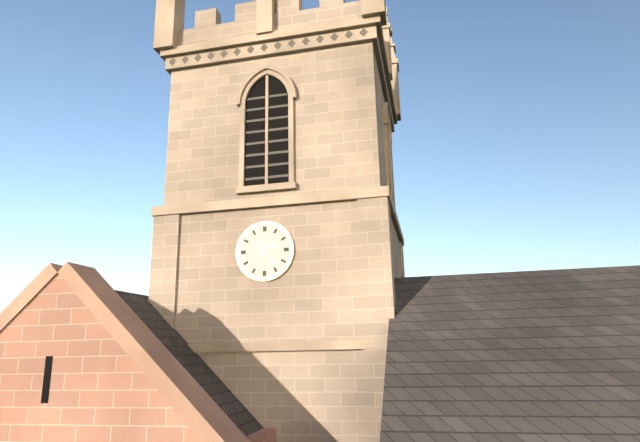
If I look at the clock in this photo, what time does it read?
2:23
